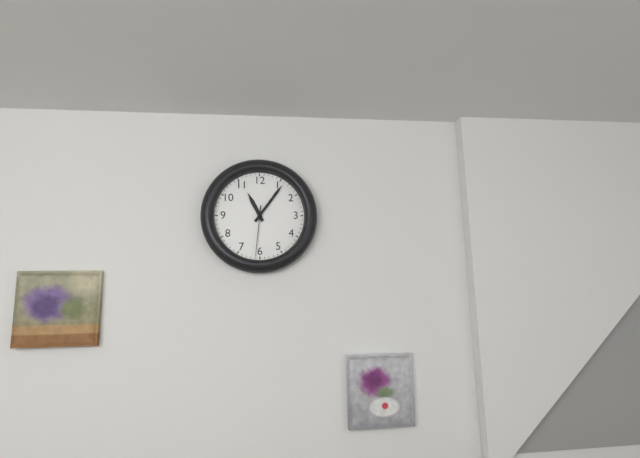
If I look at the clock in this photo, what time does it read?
11:06:31
